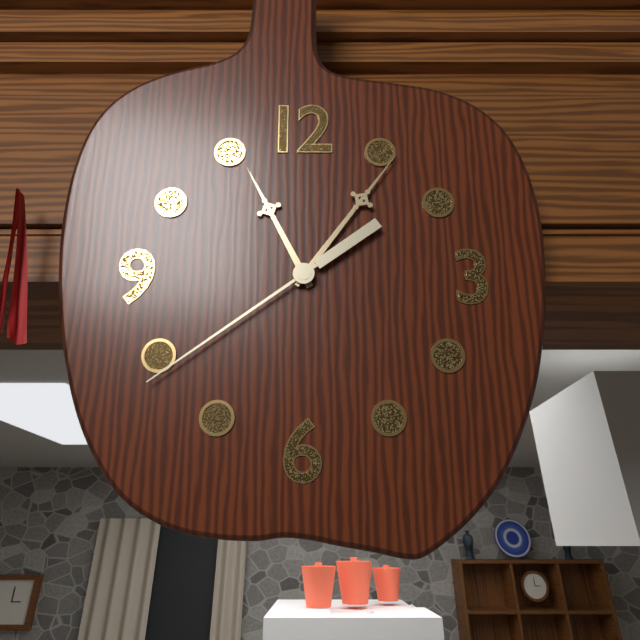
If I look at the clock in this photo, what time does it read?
11:06:39
